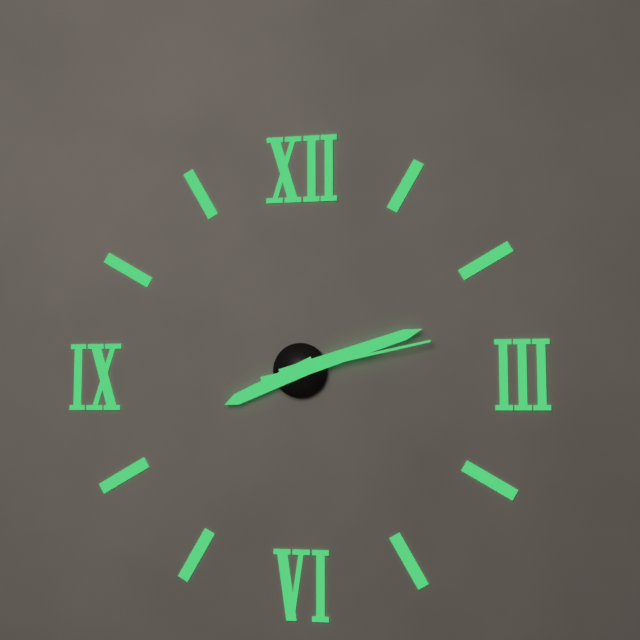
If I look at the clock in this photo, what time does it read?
8:12:13
